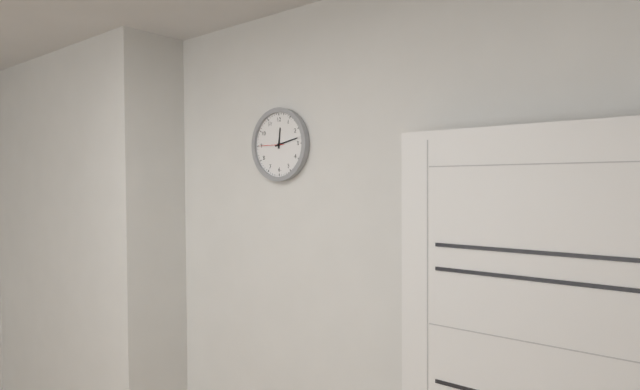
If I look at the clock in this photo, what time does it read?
12:13
